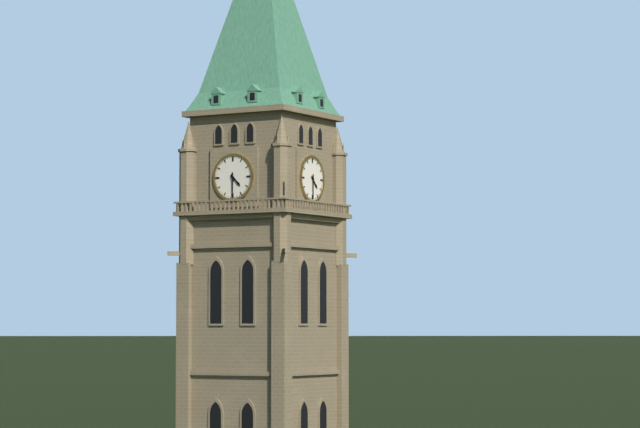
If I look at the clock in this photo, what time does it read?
4:30
